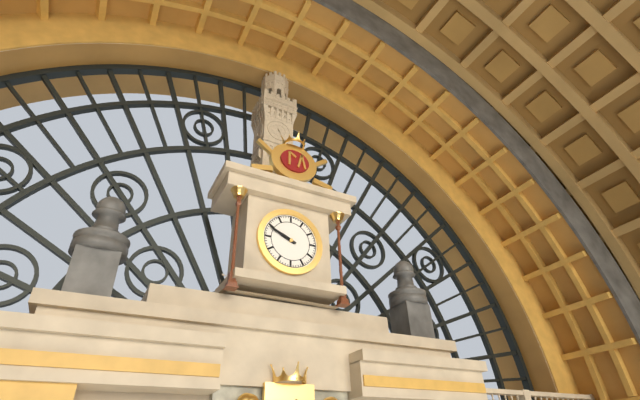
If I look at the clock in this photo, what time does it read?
9:49
